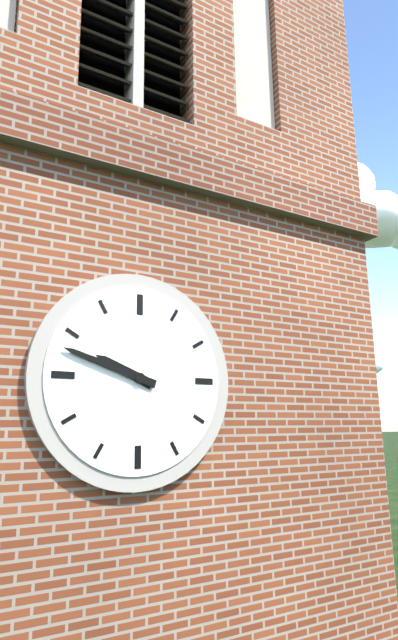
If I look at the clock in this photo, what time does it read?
9:48
